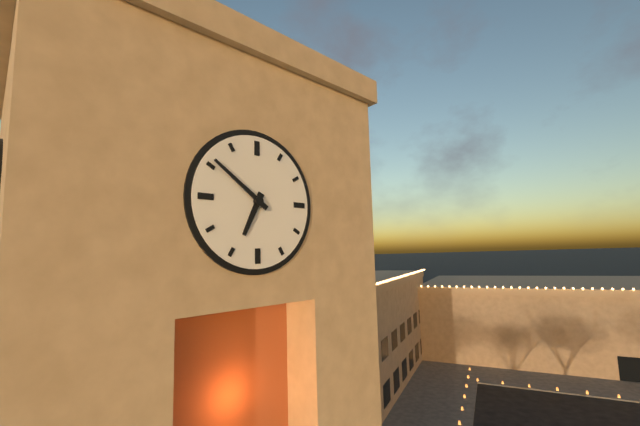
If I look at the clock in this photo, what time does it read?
6:51
